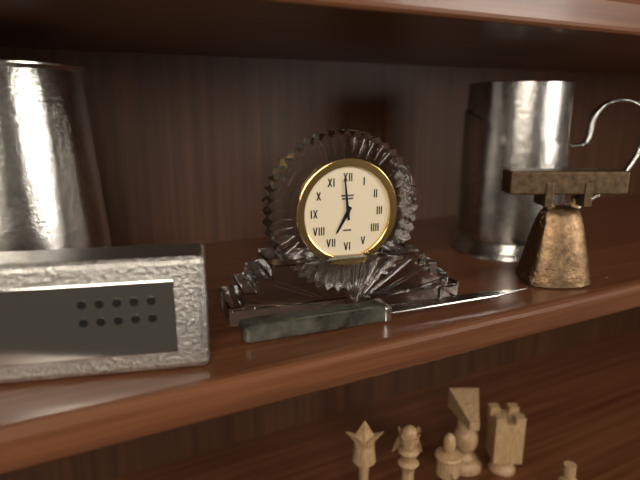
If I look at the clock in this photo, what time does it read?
6:59
